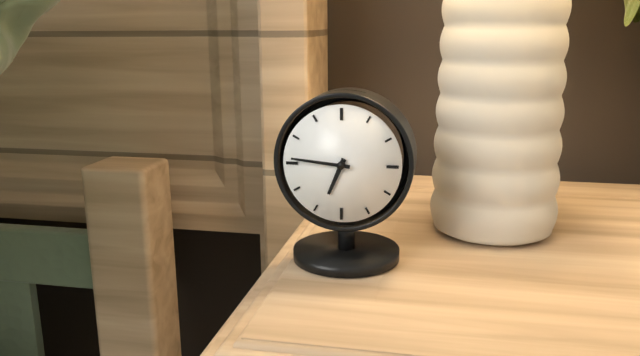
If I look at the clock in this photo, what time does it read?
6:46
